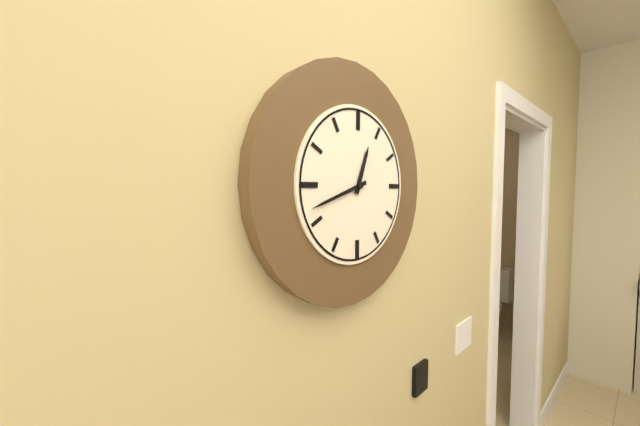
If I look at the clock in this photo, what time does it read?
12:42
